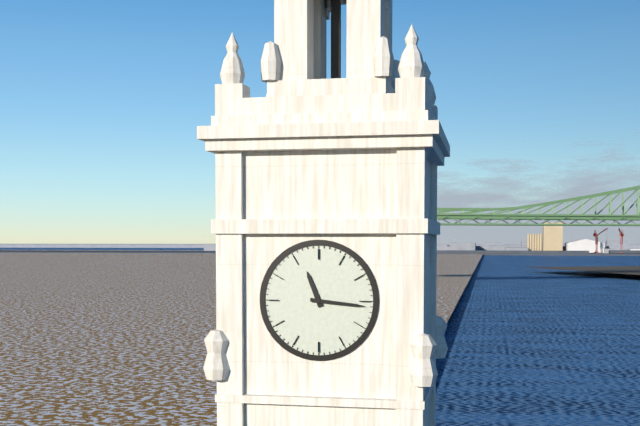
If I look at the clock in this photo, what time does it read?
11:16
